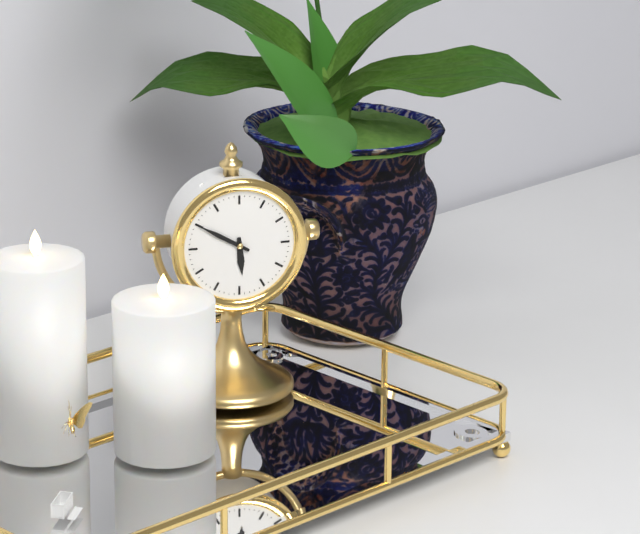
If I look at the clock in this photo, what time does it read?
5:50
